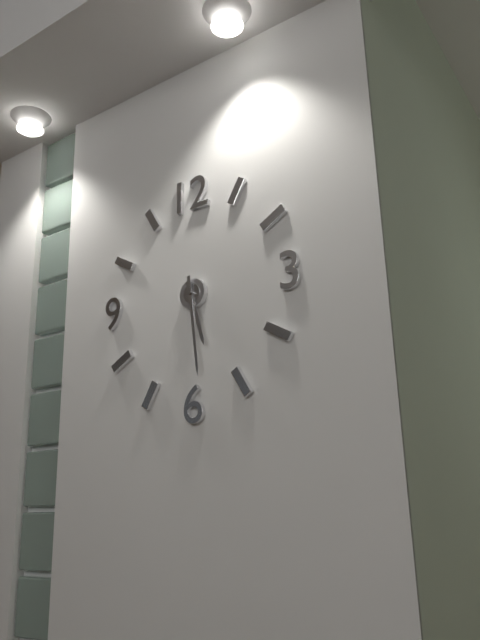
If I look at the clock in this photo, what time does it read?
5:29
